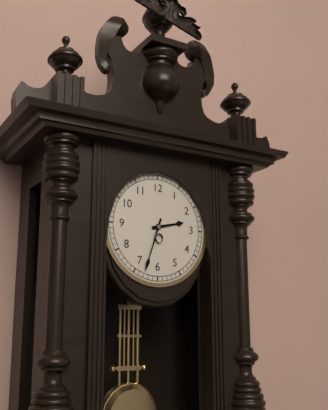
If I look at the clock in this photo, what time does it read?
2:33
